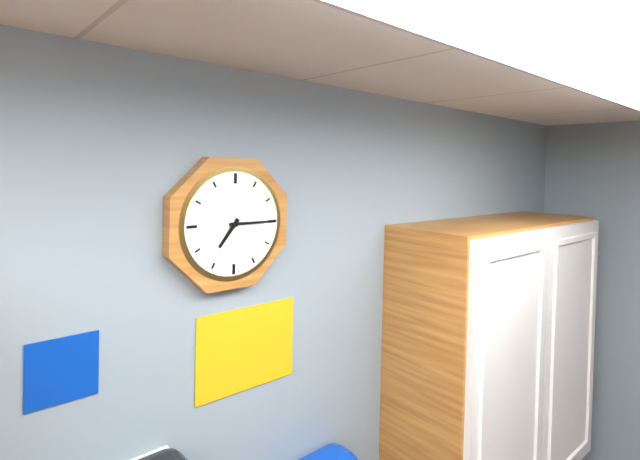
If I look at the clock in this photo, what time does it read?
7:15
